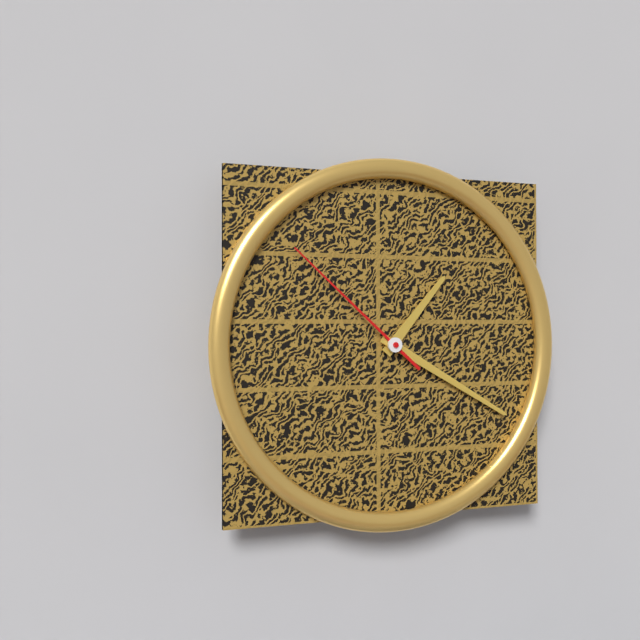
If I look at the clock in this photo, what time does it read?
1:20:52
